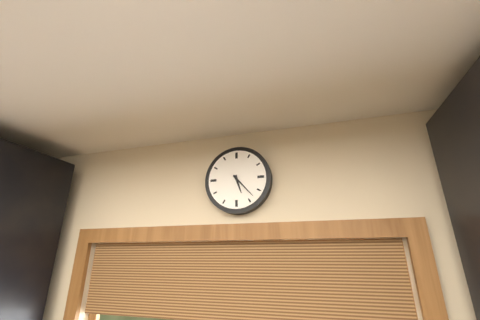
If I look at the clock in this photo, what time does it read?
5:23
